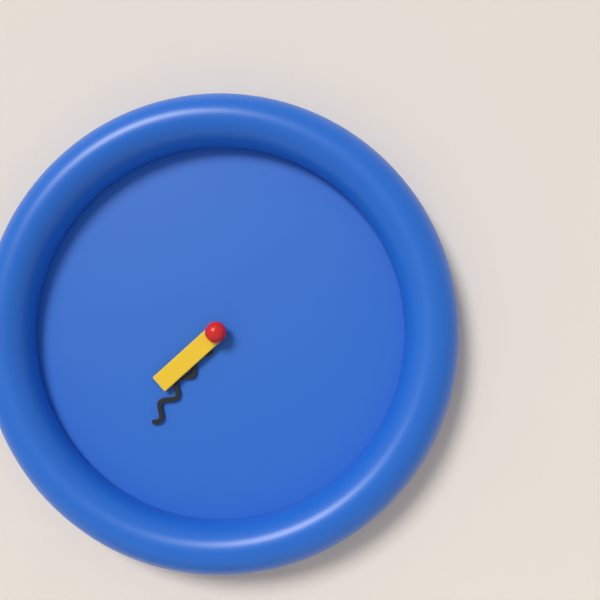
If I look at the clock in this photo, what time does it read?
7:36
